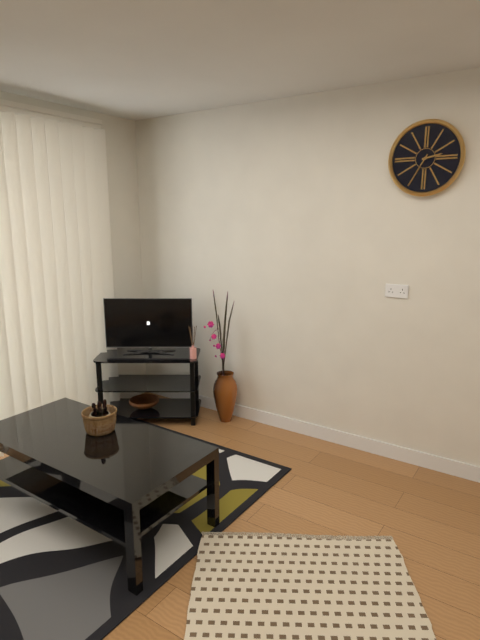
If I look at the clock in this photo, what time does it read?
2:35
